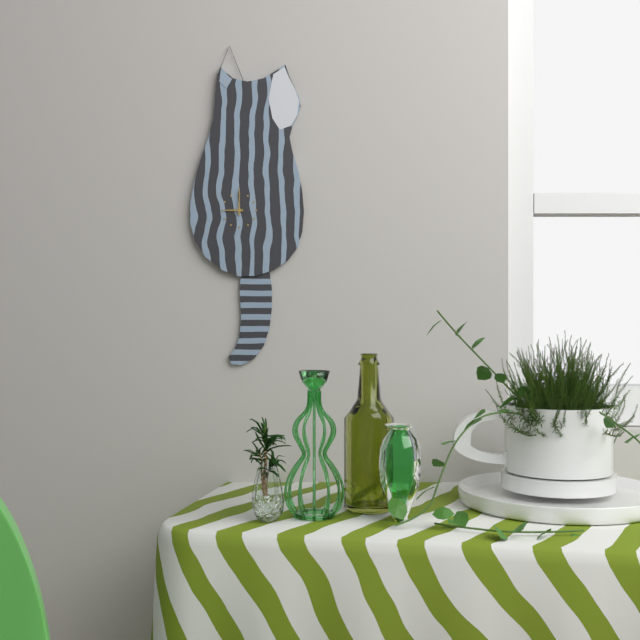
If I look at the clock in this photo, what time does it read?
9:00
